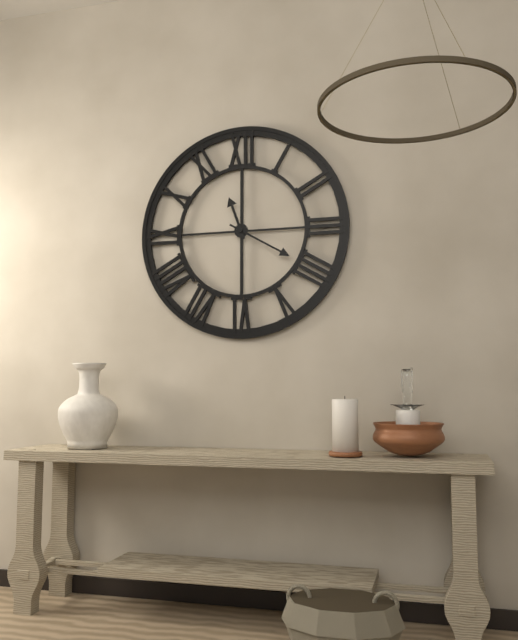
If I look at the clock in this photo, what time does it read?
11:20
